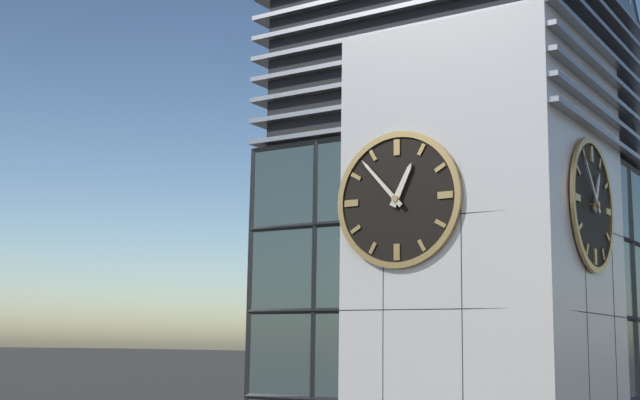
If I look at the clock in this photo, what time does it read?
12:53
